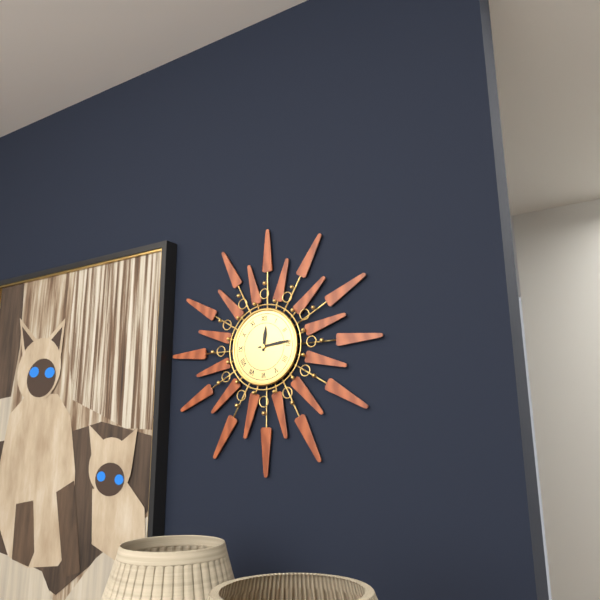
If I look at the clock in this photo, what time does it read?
12:14
